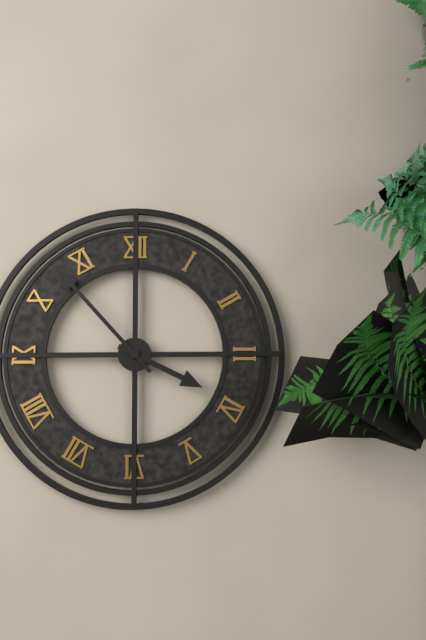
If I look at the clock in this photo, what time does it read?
3:53
